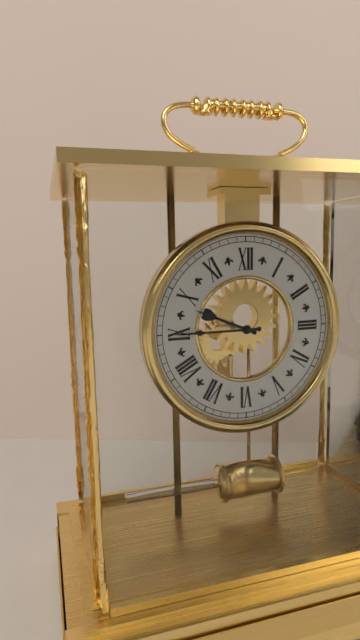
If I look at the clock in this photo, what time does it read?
9:45
